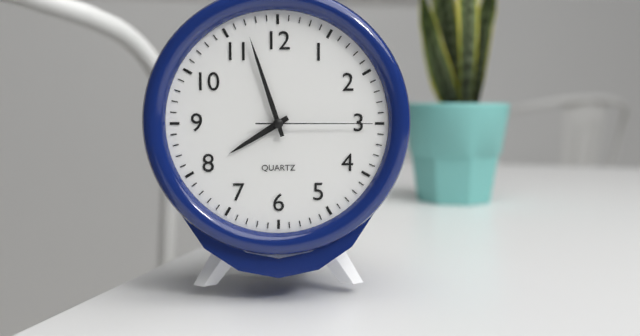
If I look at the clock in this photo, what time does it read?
7:57:15
